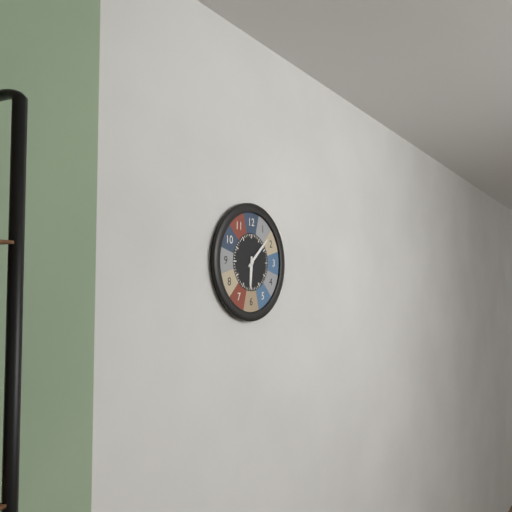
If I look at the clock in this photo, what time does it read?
6:08
